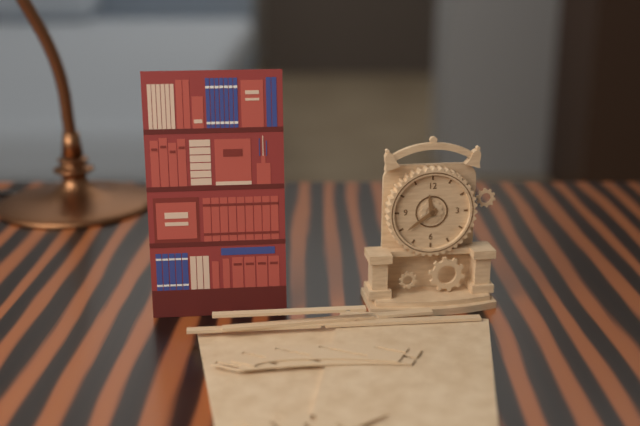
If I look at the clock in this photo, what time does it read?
11:39
